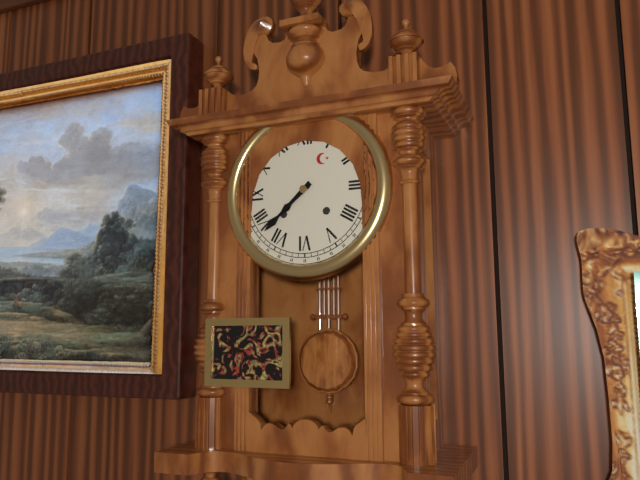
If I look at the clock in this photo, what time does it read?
7:38
